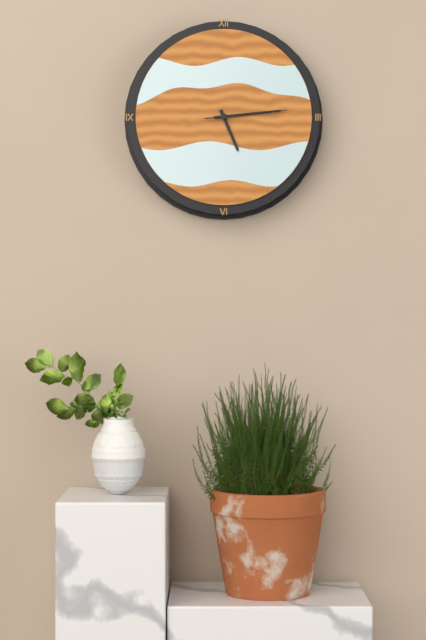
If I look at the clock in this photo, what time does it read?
5:14:14
